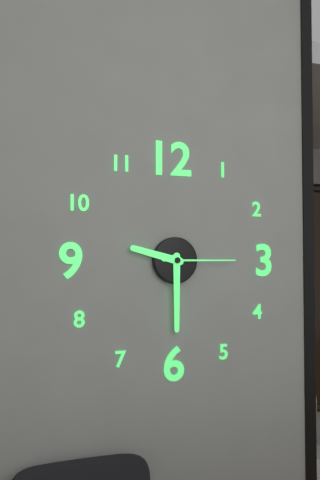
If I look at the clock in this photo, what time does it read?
9:30:15
